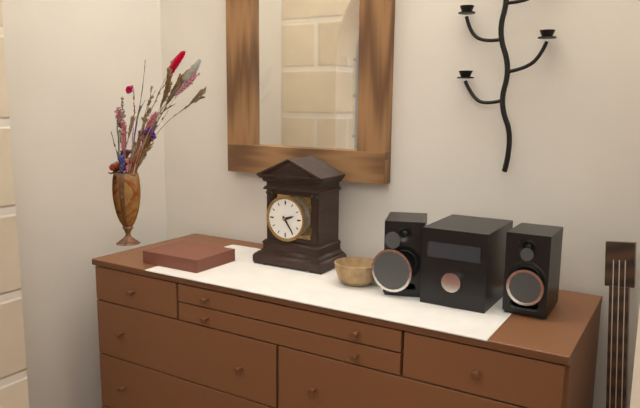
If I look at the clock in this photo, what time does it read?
2:24
